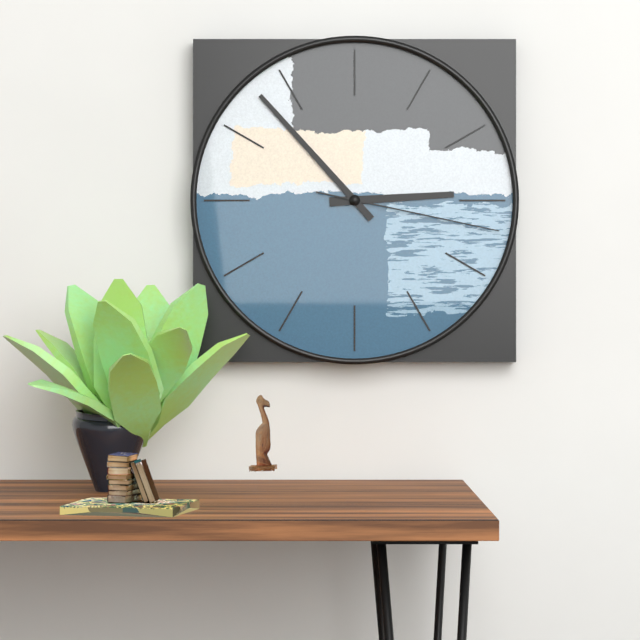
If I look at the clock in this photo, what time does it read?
2:53:17
